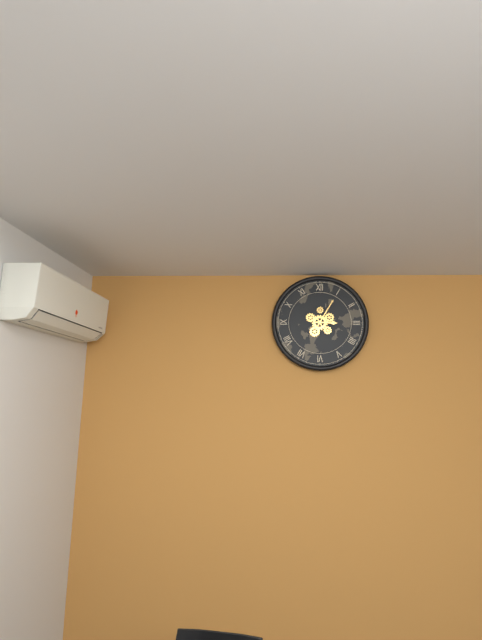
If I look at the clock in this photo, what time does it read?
3:05
